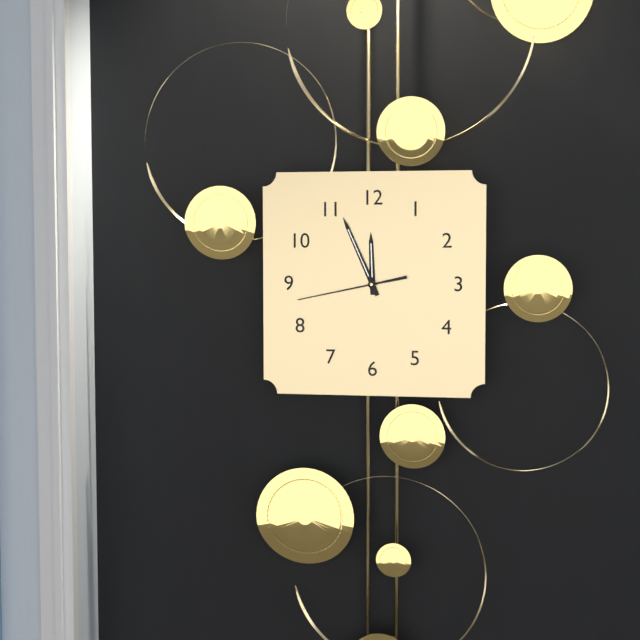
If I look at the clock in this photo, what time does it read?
11:56:43
